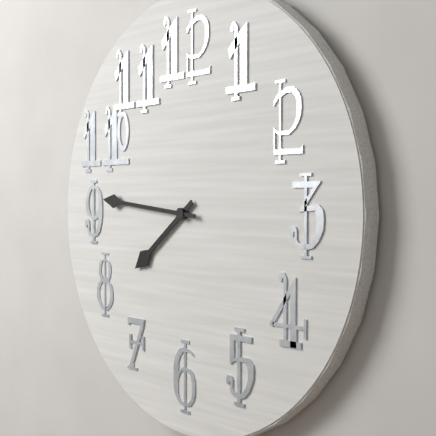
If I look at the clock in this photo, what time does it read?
7:46
